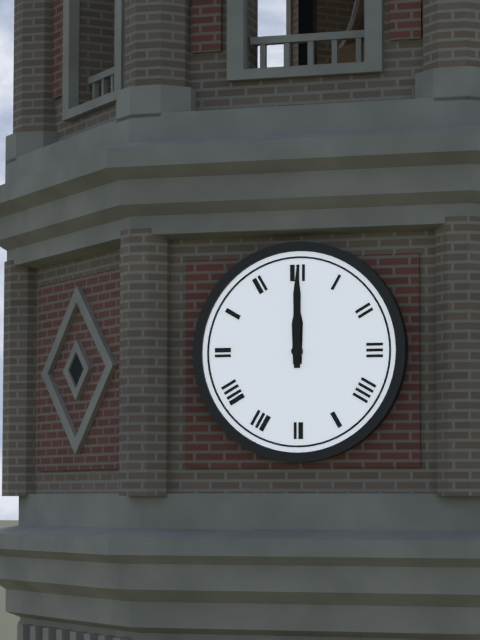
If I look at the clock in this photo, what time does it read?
12:00
